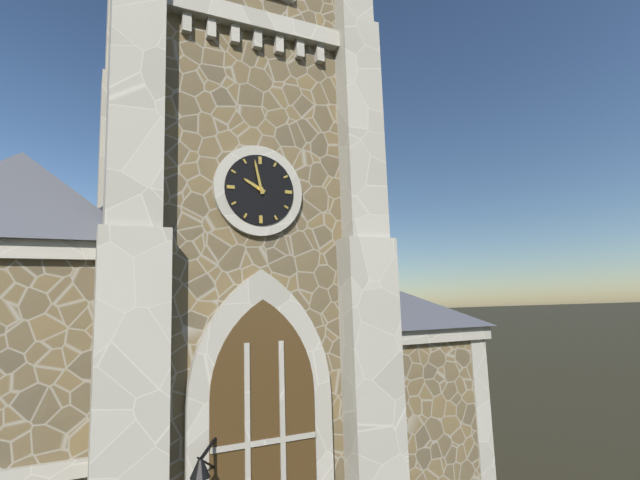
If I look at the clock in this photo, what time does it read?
9:58
